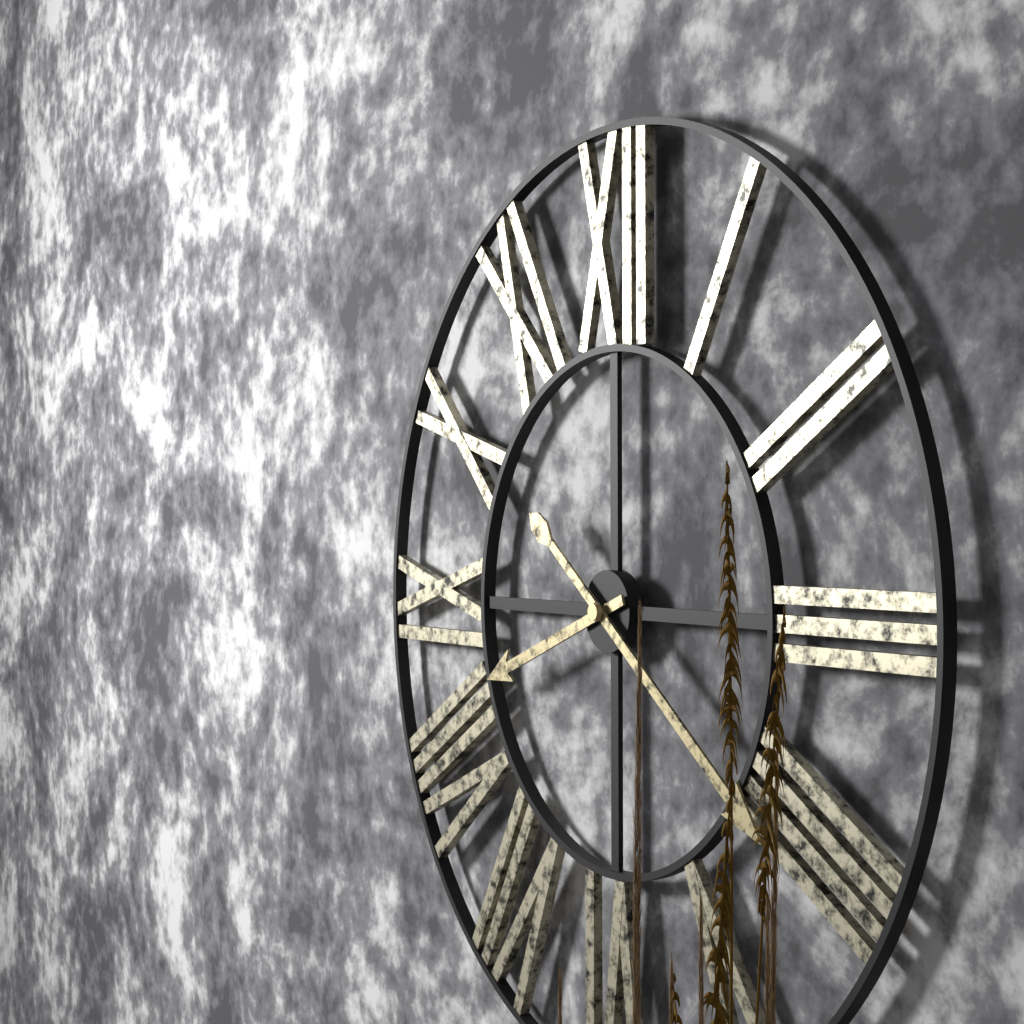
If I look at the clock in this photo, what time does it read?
8:21
